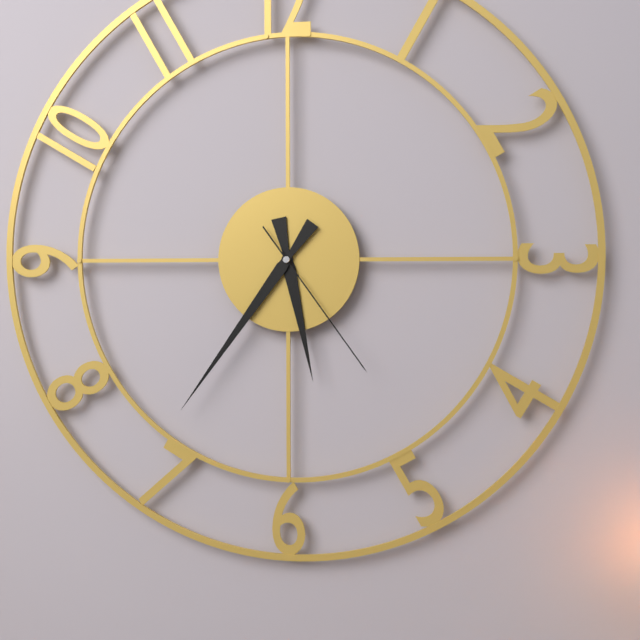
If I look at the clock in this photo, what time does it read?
5:36:24
